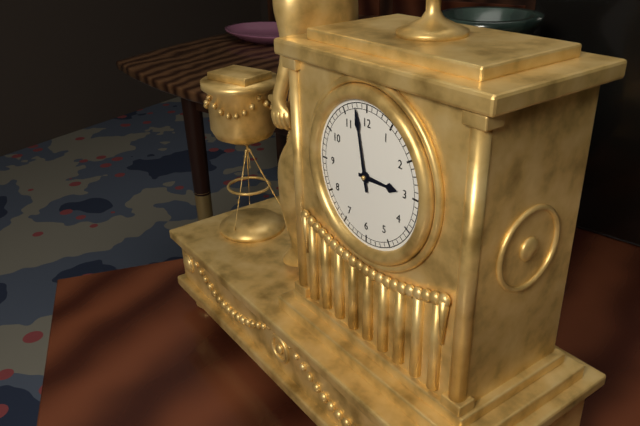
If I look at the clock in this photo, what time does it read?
2:58
